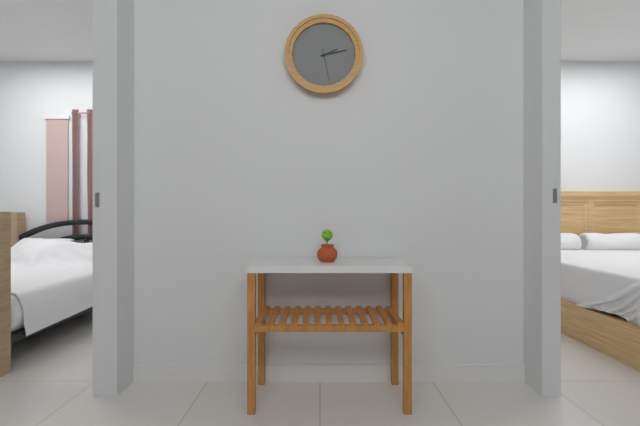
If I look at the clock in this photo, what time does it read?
2:13
